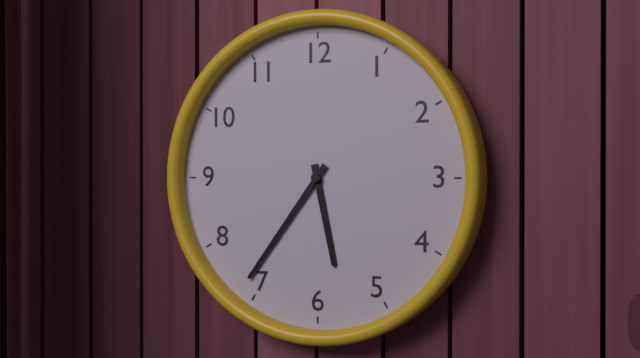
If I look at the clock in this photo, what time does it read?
5:36
